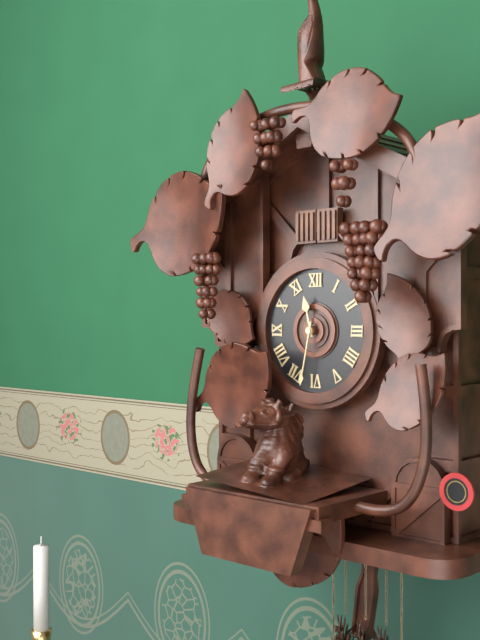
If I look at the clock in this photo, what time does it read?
11:32
